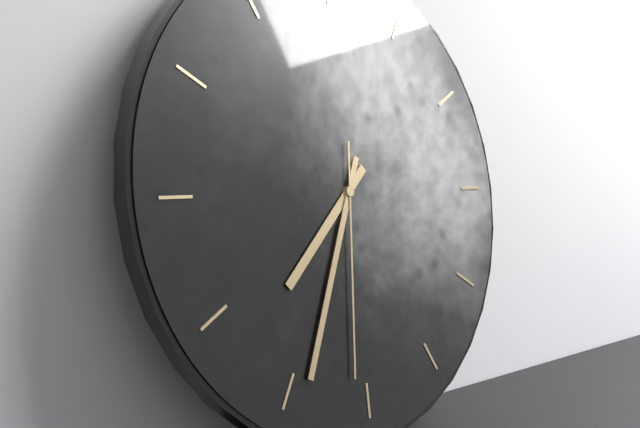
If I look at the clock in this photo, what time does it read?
7:34:31
